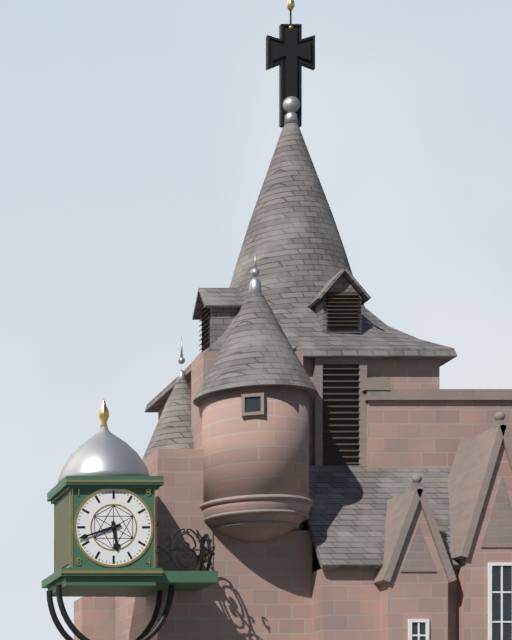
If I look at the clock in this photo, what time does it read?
5:42
